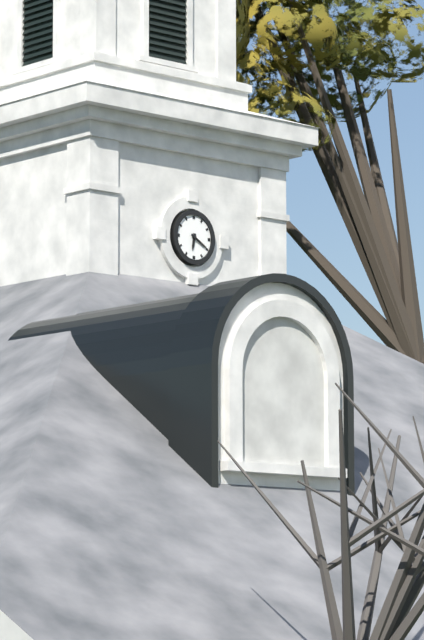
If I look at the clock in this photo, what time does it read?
6:20
